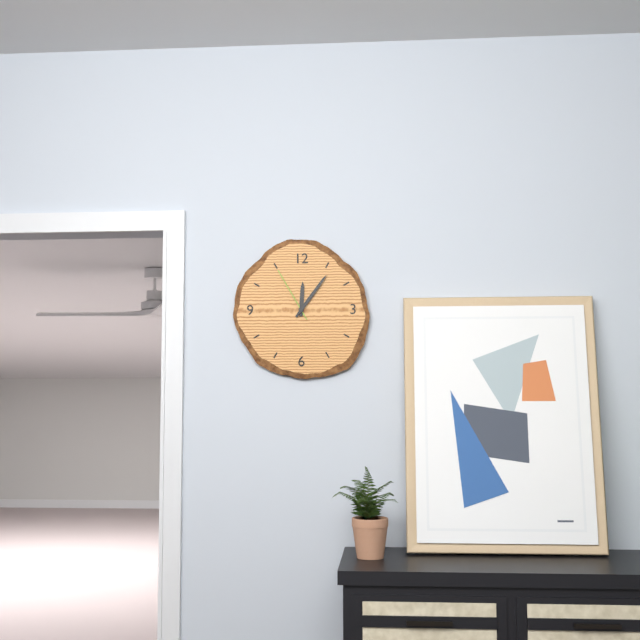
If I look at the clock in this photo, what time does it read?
12:06:55
